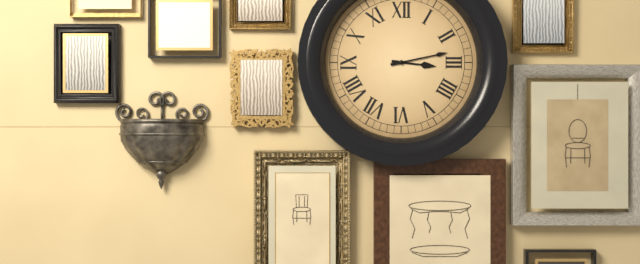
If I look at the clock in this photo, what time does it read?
3:13
